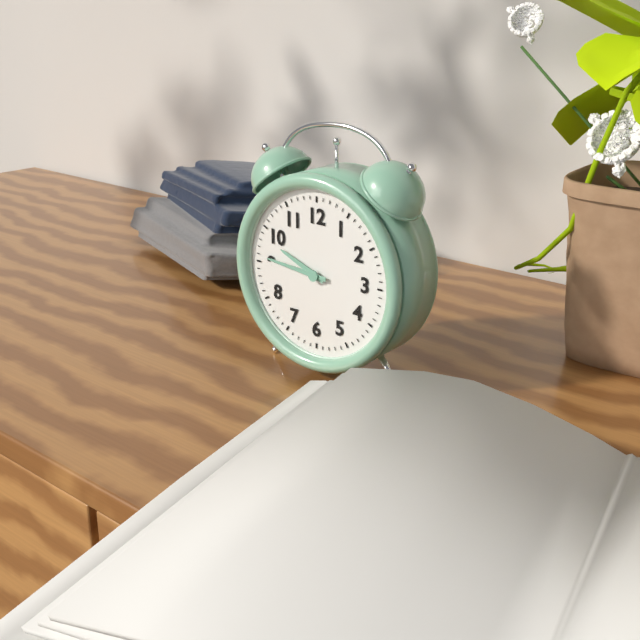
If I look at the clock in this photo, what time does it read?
9:46
